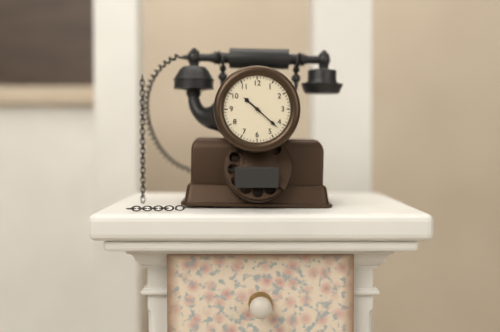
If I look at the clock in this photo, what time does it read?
10:22
